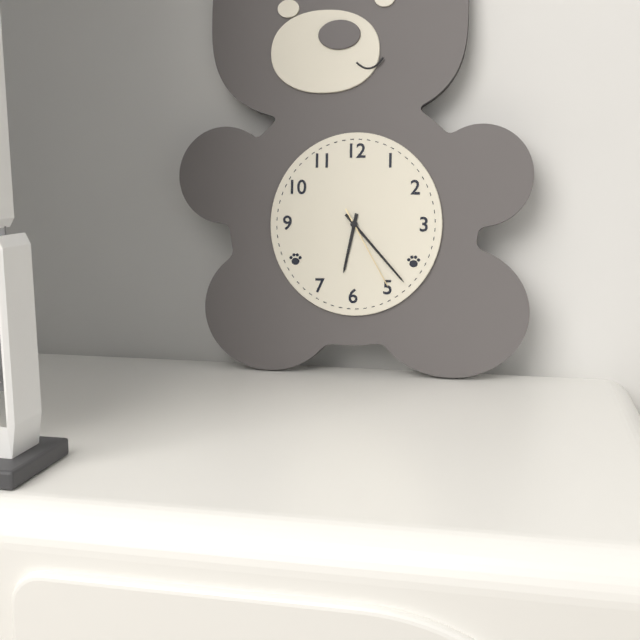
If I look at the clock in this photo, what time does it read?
6:23:25
